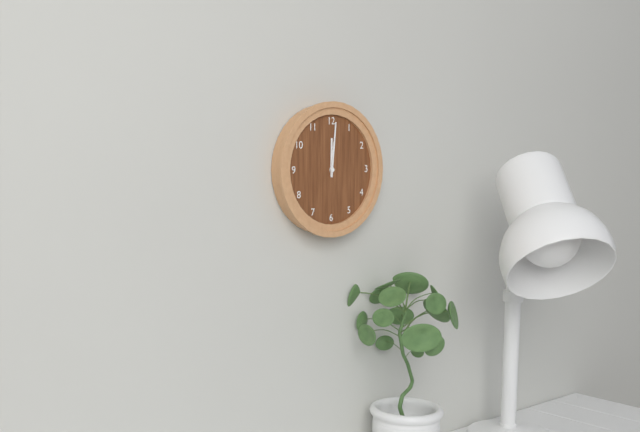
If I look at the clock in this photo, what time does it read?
12:01
